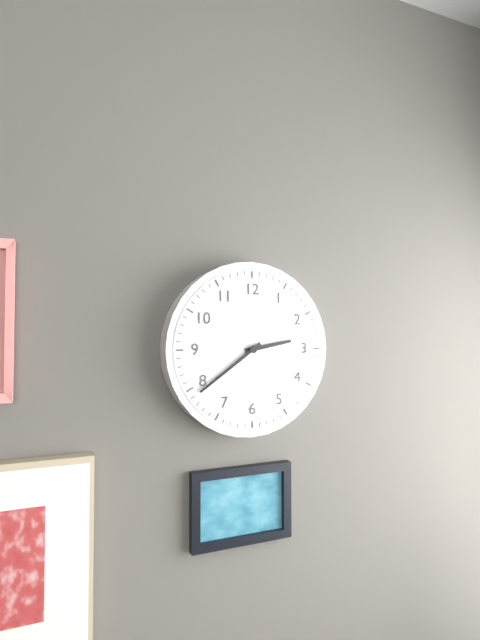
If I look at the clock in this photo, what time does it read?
2:39
